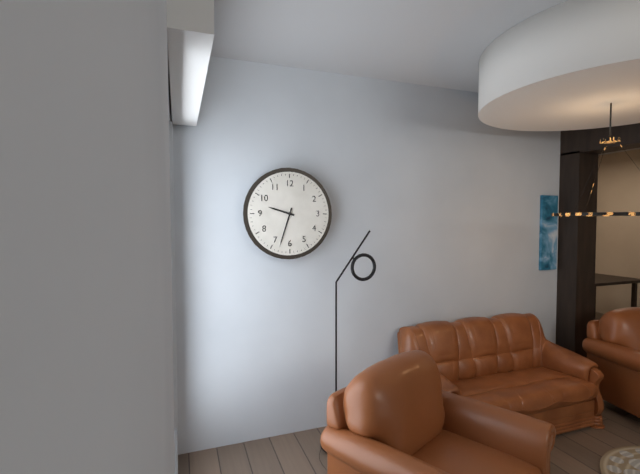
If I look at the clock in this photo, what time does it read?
9:33
